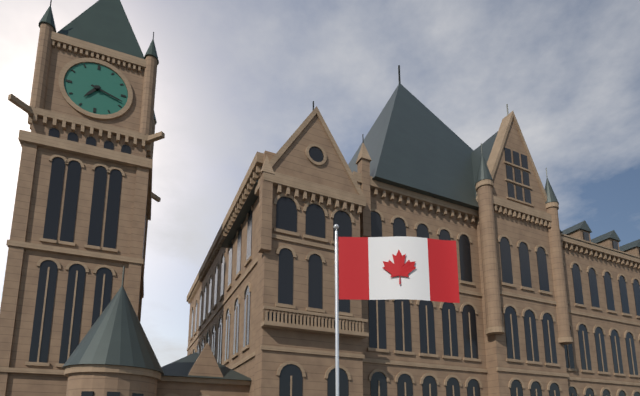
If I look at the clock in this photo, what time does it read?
7:18
